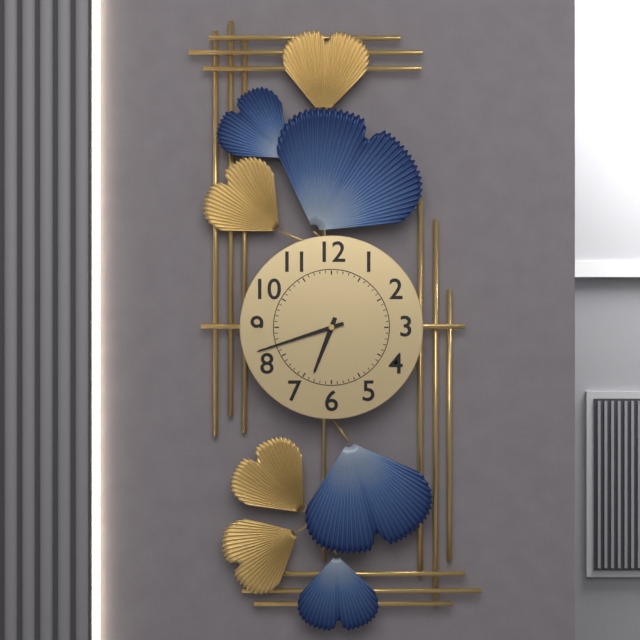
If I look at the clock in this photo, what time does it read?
6:42
